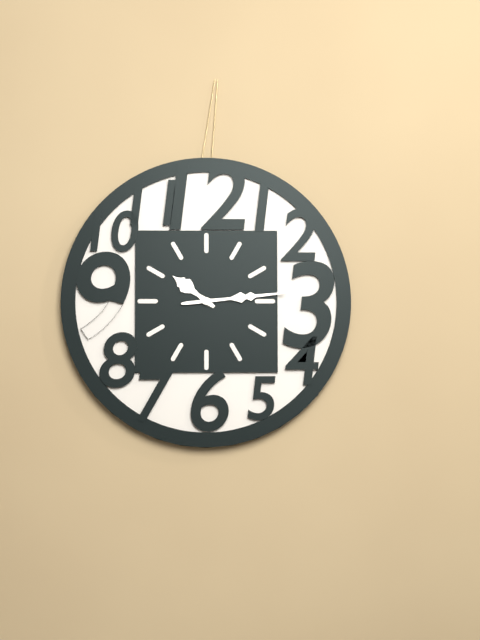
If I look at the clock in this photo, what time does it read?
10:14
